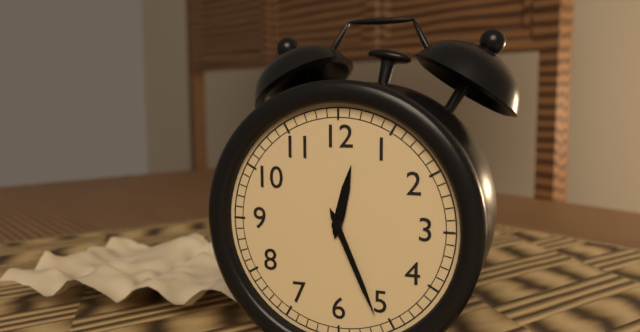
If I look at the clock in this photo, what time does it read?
12:26
